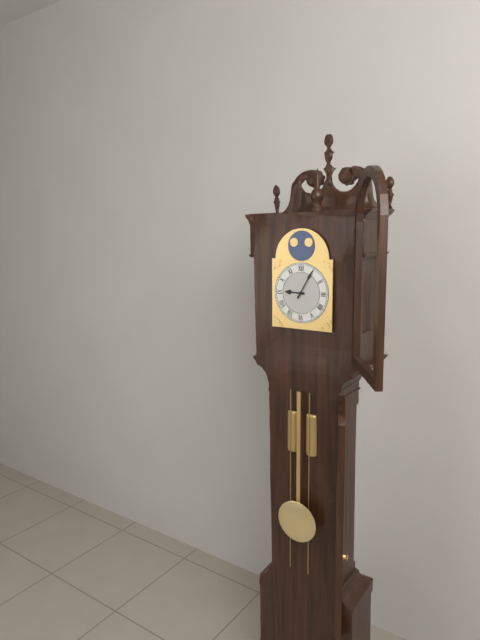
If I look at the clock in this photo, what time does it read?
9:05
